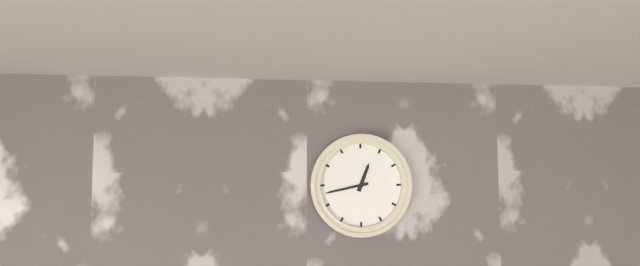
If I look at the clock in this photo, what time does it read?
12:43
